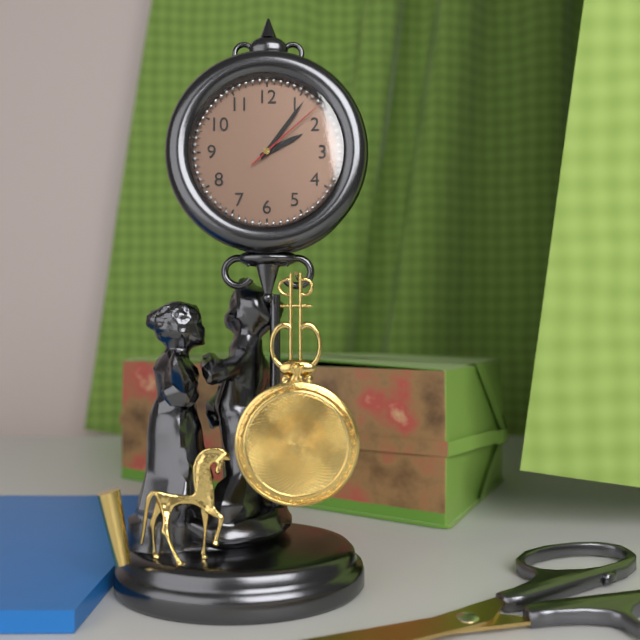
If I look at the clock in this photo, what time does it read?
2:06:08
